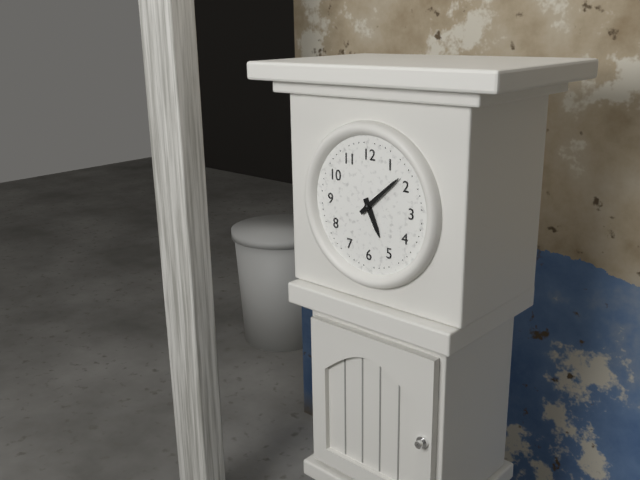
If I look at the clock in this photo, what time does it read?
5:08
